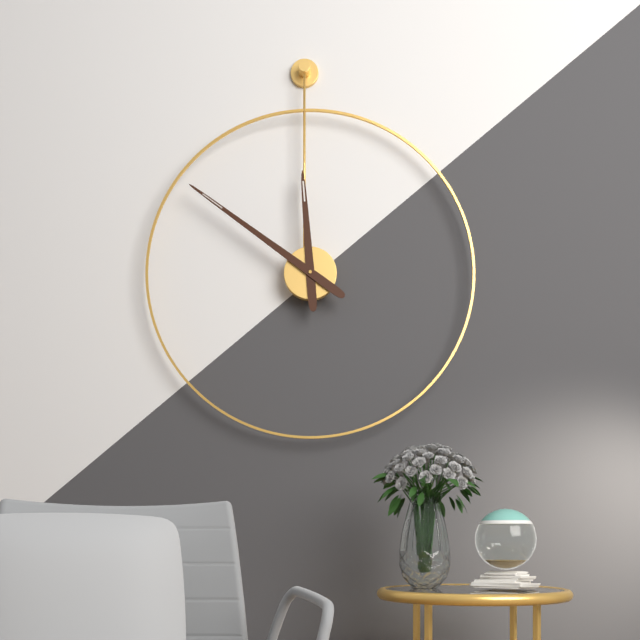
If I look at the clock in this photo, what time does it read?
11:51
